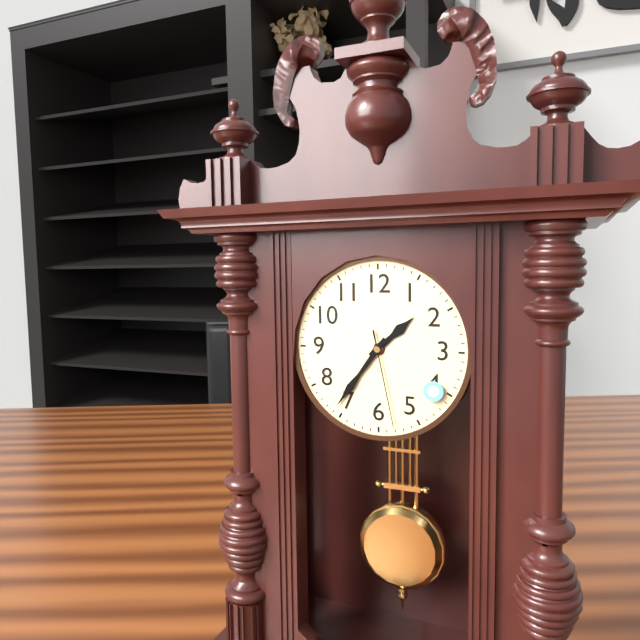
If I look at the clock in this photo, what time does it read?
1:36:28
